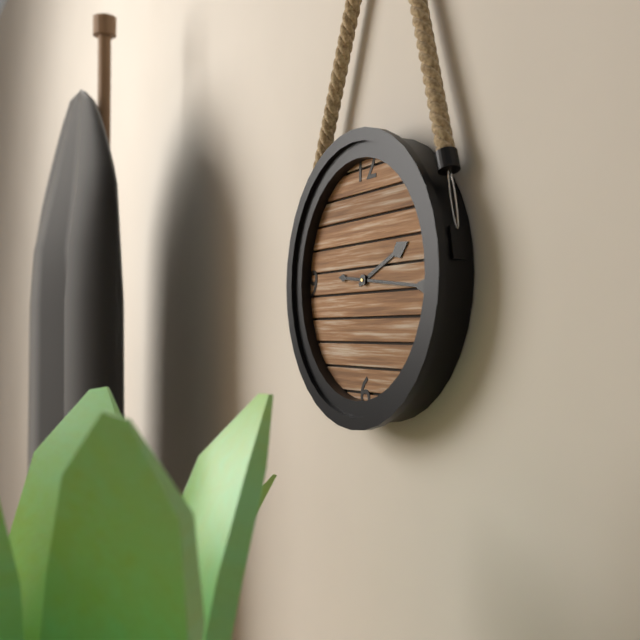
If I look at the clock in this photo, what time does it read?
2:16
